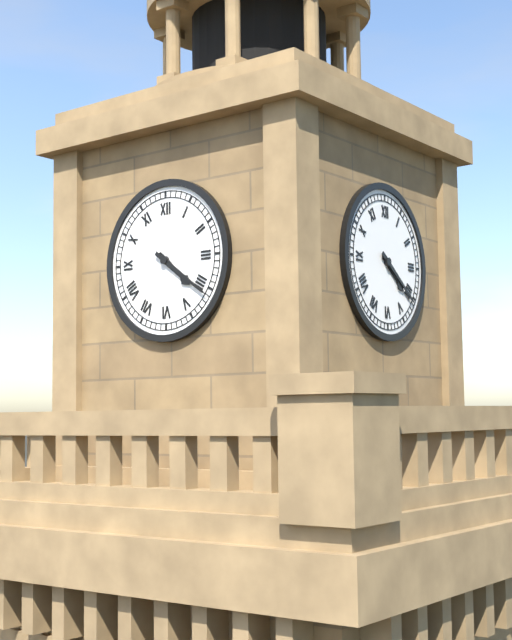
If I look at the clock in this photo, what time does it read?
4:21
